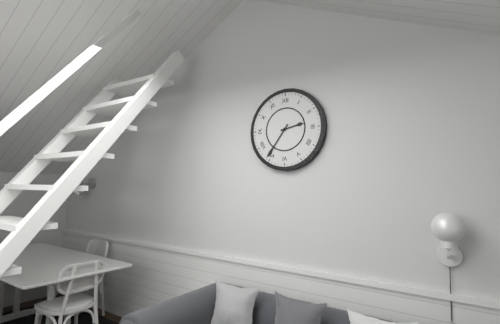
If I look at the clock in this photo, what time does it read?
2:36
